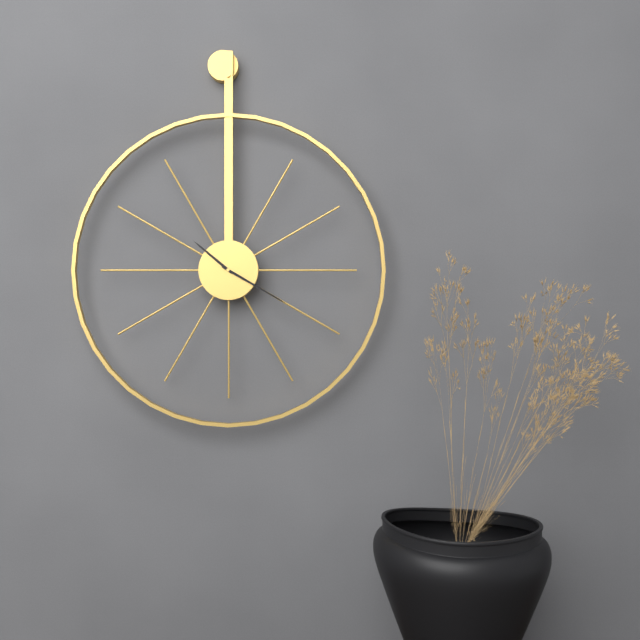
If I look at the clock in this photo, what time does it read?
10:20
